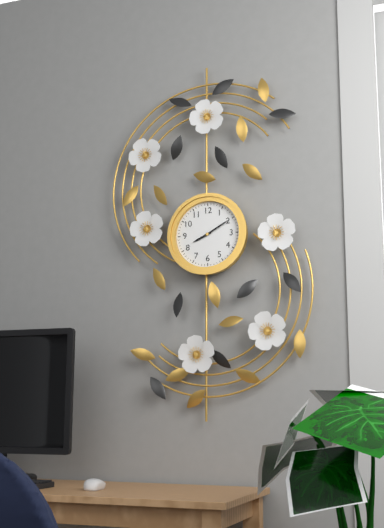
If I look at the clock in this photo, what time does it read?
8:10
